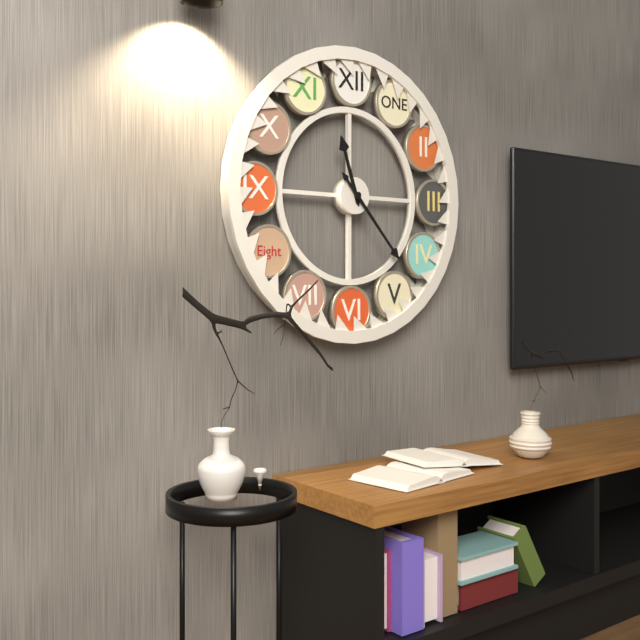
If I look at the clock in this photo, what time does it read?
11:23
